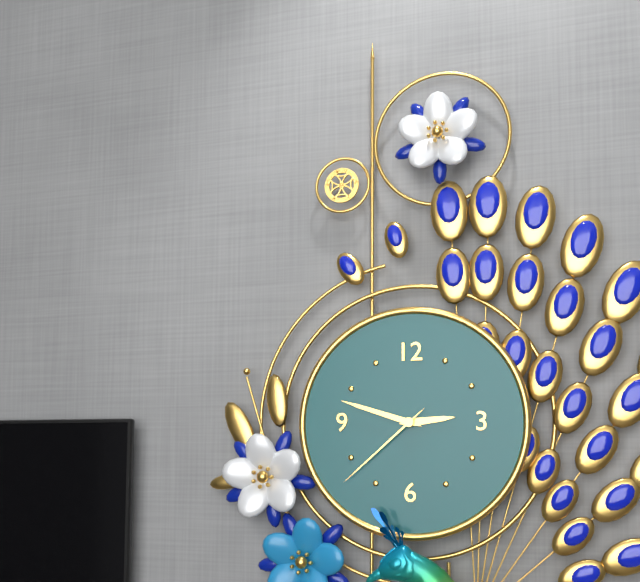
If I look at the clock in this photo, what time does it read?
2:48:38
